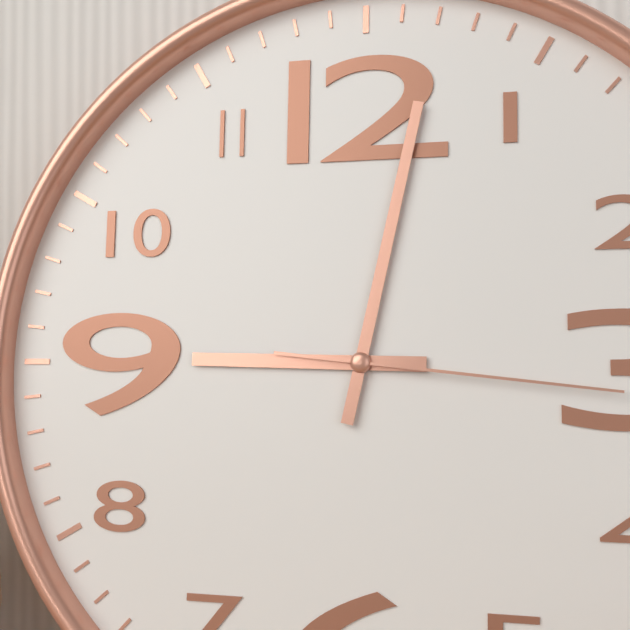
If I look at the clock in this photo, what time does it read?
9:02:16
